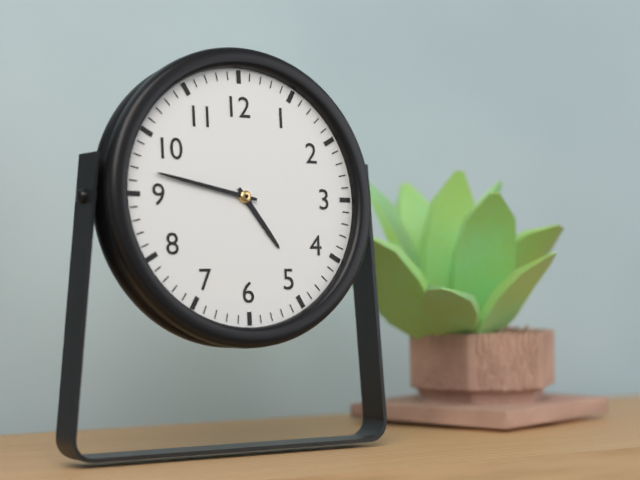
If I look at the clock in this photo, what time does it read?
4:47
